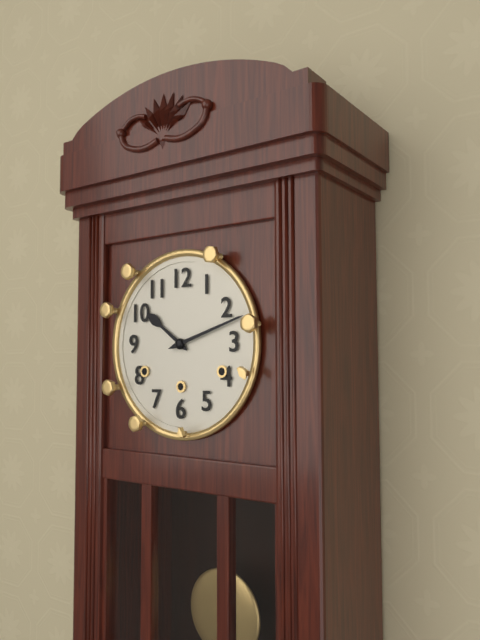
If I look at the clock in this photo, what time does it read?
10:12
